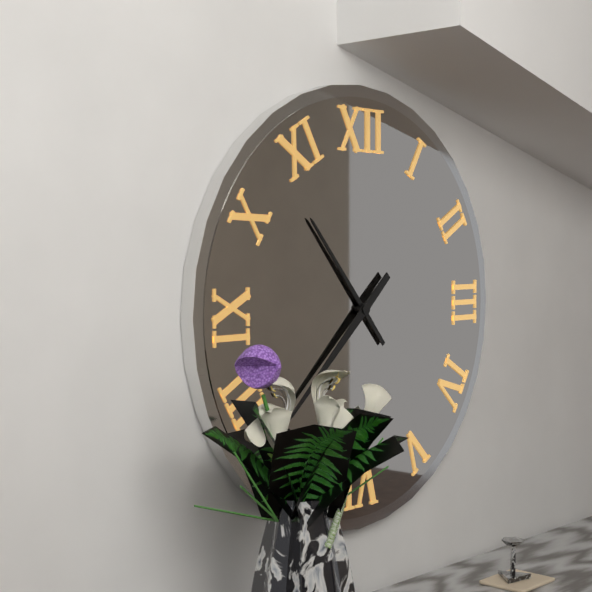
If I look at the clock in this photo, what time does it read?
10:38
